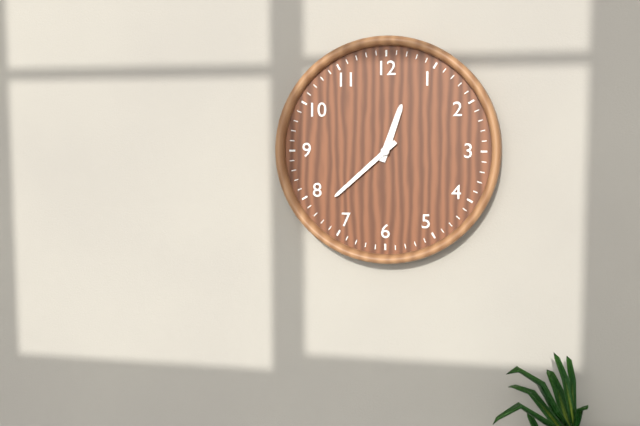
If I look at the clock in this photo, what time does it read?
12:38
